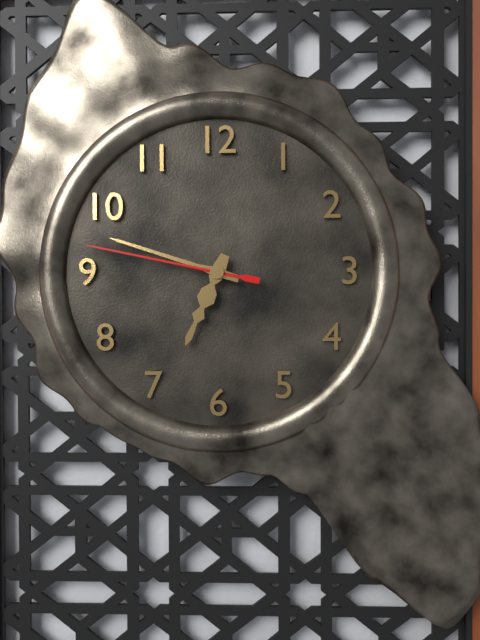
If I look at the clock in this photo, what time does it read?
6:48:47
